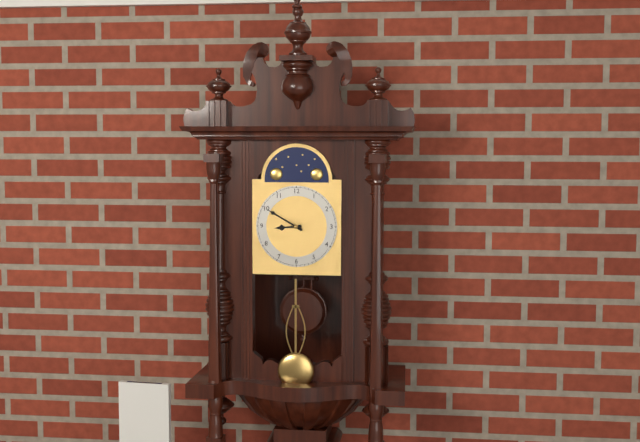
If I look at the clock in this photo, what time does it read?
8:50
